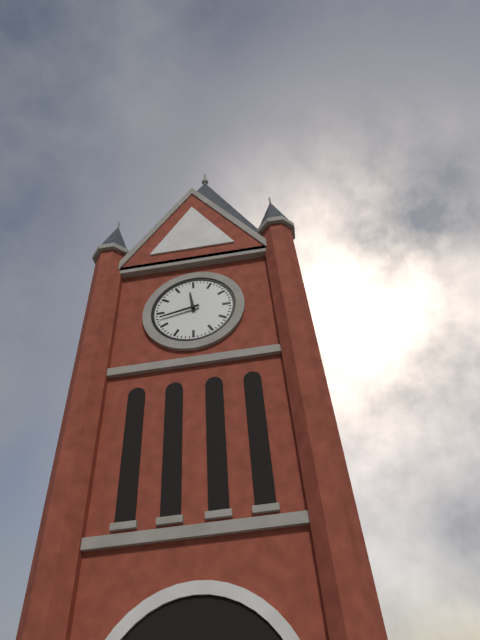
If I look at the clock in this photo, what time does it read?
11:43
